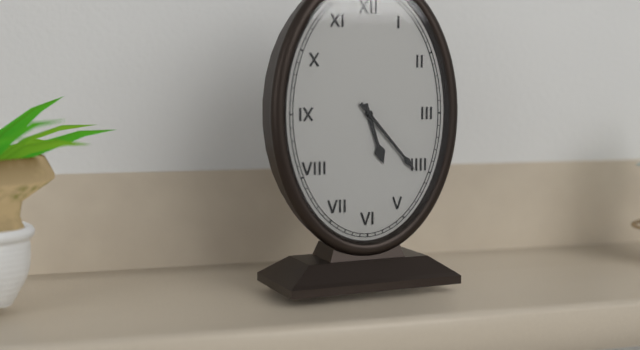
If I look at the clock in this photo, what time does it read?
5:23
